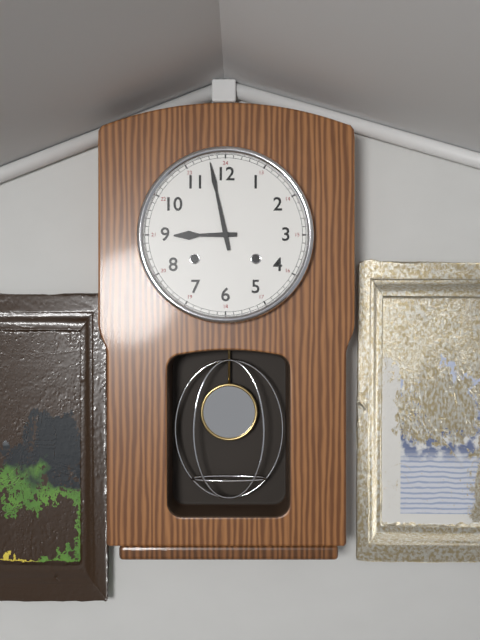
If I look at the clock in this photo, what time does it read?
8:58
